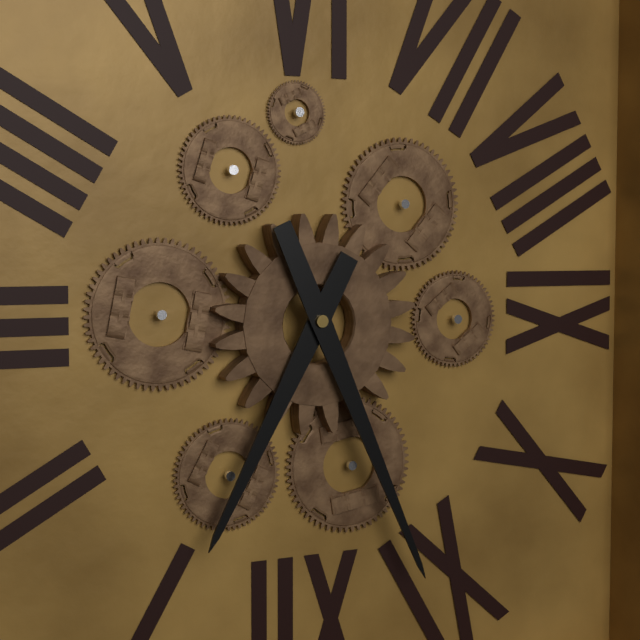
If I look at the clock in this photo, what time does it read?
12:56
